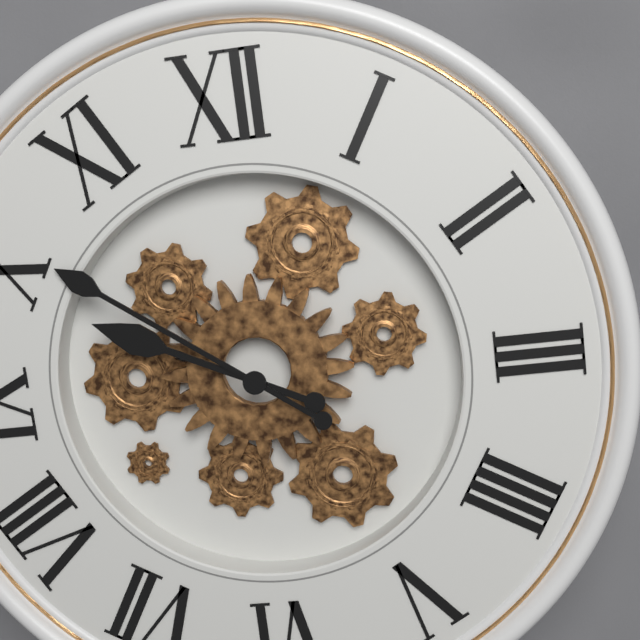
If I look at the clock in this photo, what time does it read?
9:51
